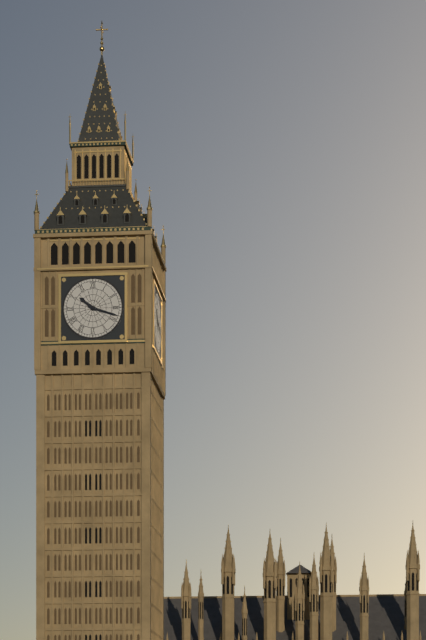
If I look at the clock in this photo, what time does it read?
10:18
